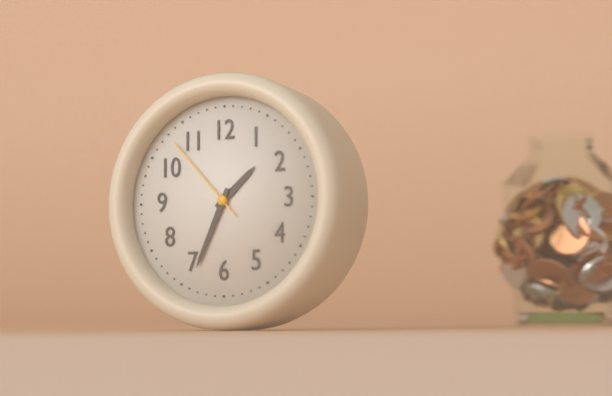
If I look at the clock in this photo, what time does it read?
1:34:53
